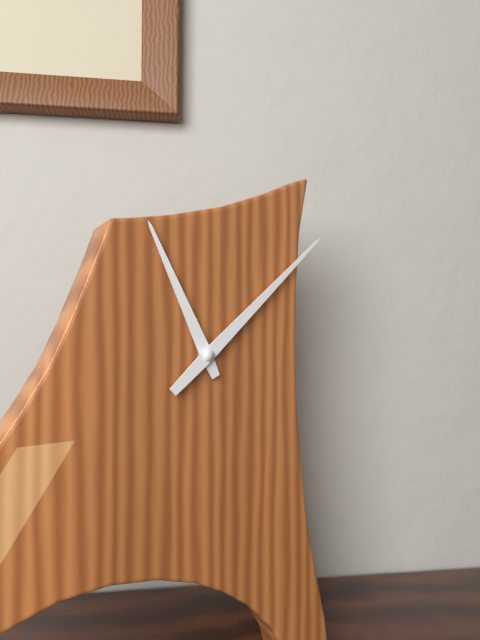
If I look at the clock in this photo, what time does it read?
11:08
